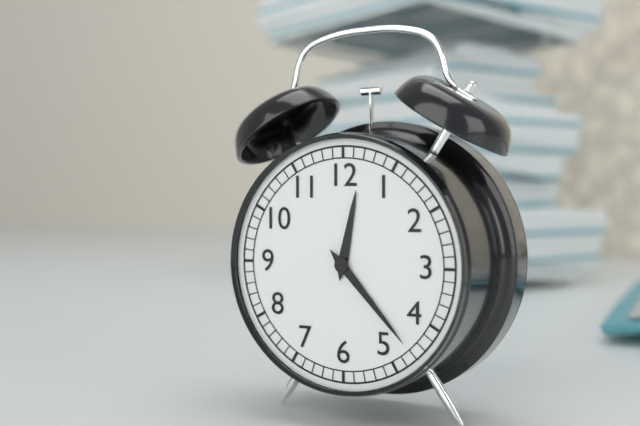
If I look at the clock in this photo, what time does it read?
12:23
